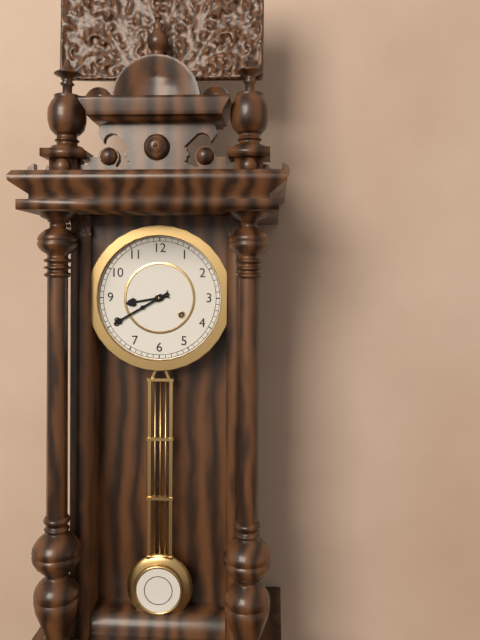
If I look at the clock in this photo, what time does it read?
8:40
